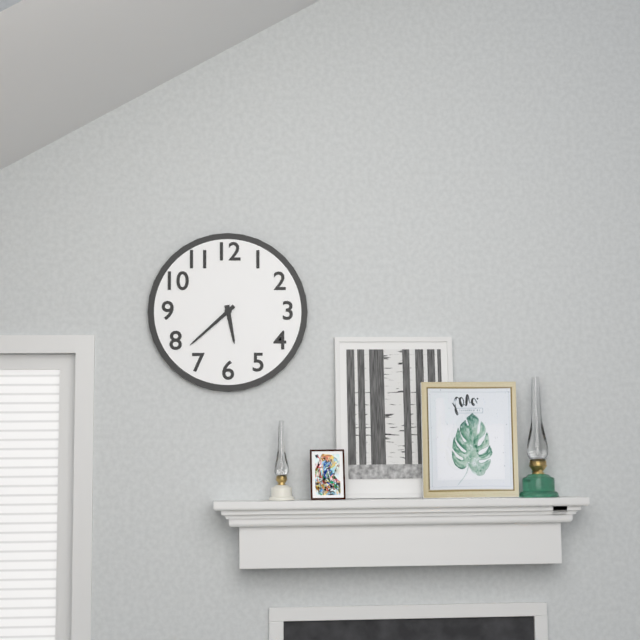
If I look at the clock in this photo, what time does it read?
5:38
